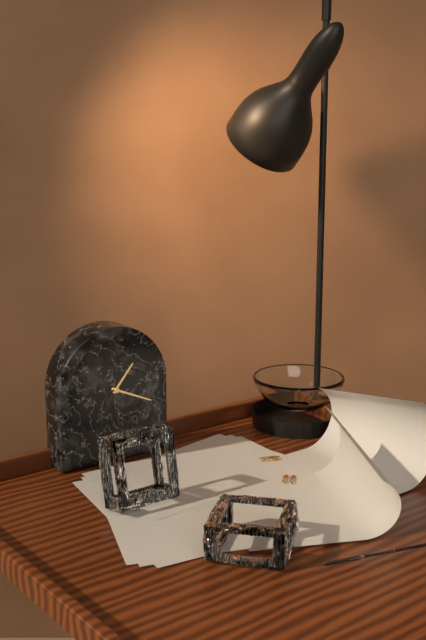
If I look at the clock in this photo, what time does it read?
1:19
